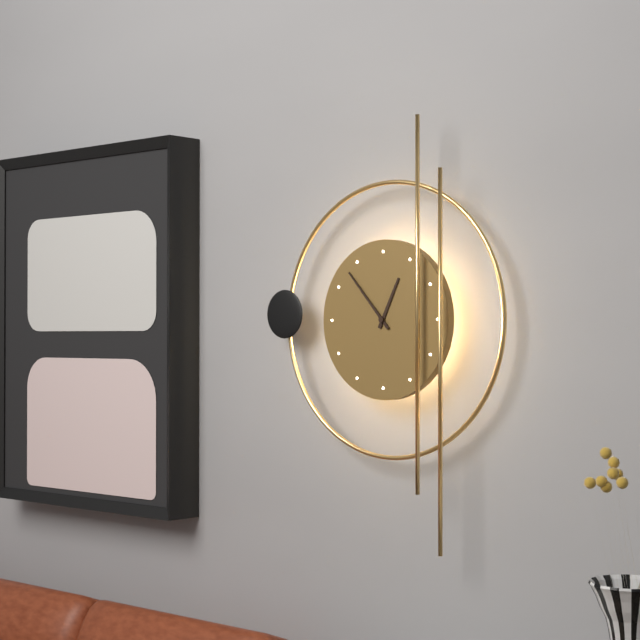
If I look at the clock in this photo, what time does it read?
12:53
